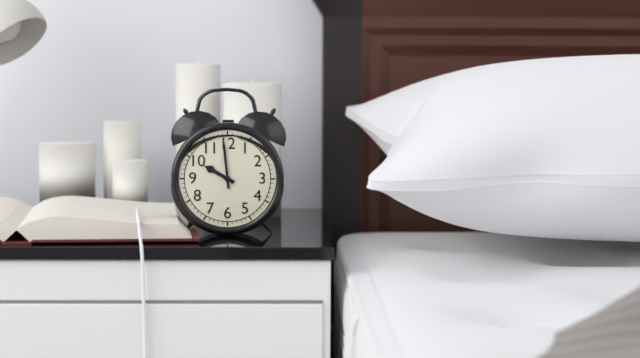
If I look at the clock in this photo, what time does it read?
9:59
